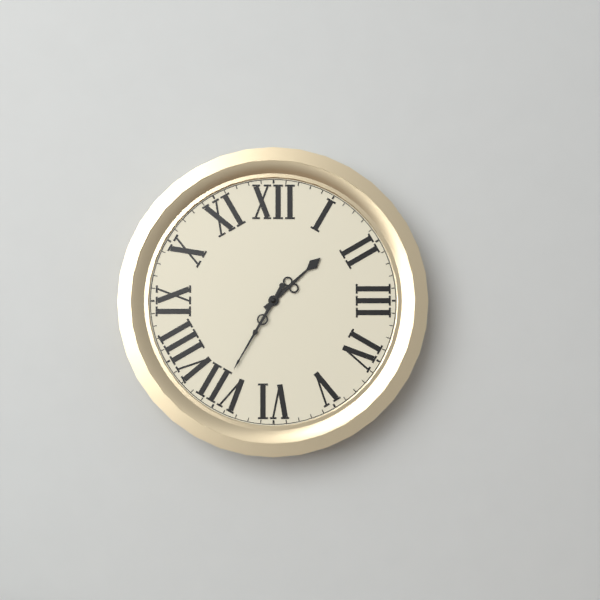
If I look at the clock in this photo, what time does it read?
1:35
